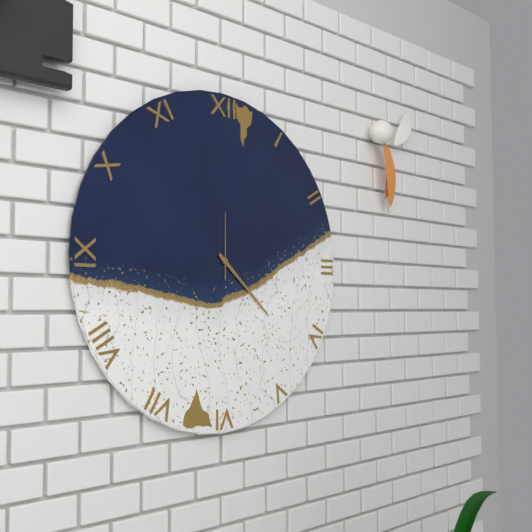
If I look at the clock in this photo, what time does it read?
4:22:00
